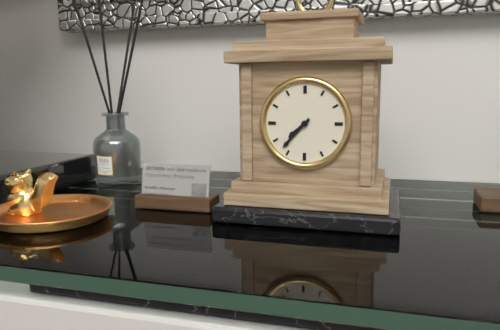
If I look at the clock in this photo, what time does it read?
7:37
